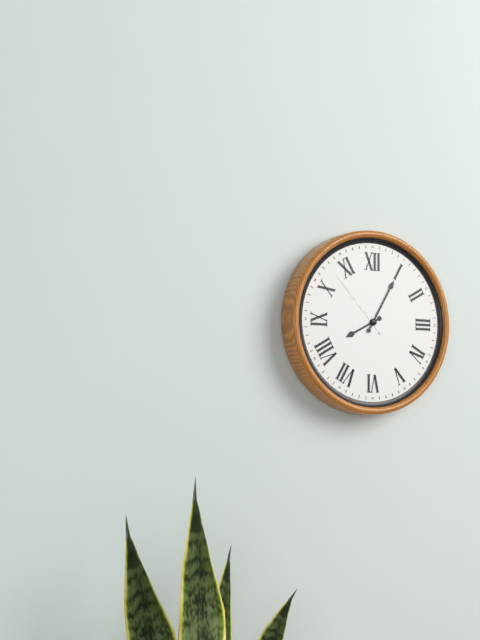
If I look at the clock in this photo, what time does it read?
8:05:53
